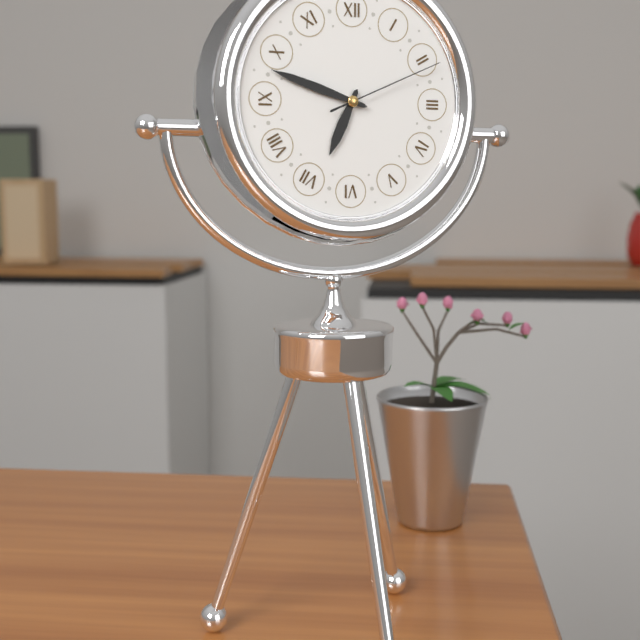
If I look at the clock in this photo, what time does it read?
6:48:11
